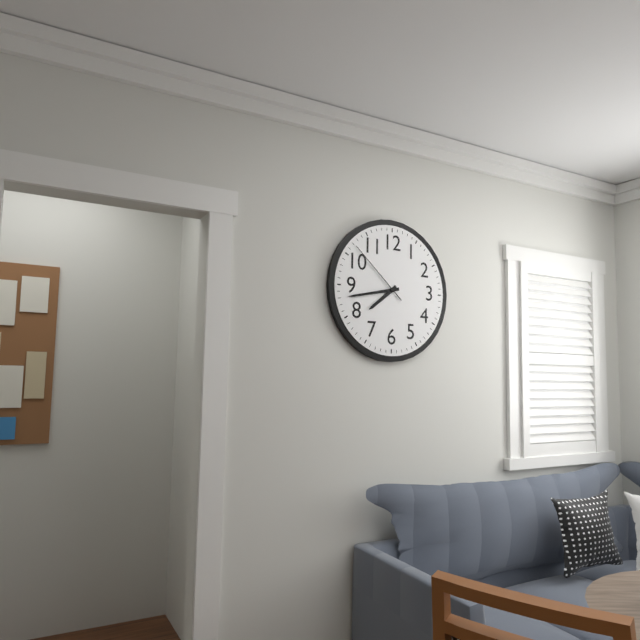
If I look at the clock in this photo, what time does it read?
7:43:52
